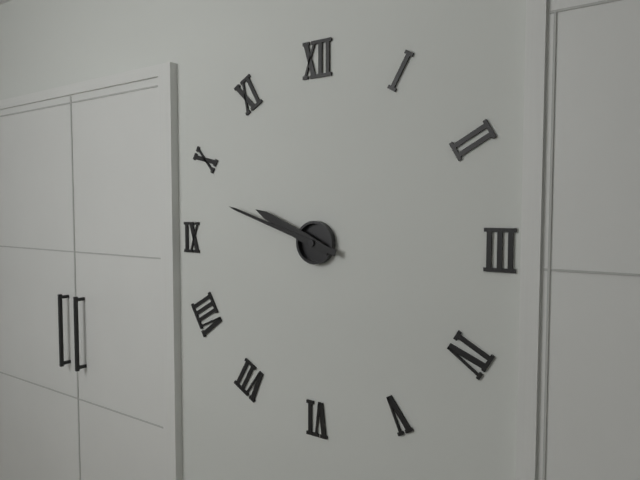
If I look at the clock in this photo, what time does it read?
9:48
